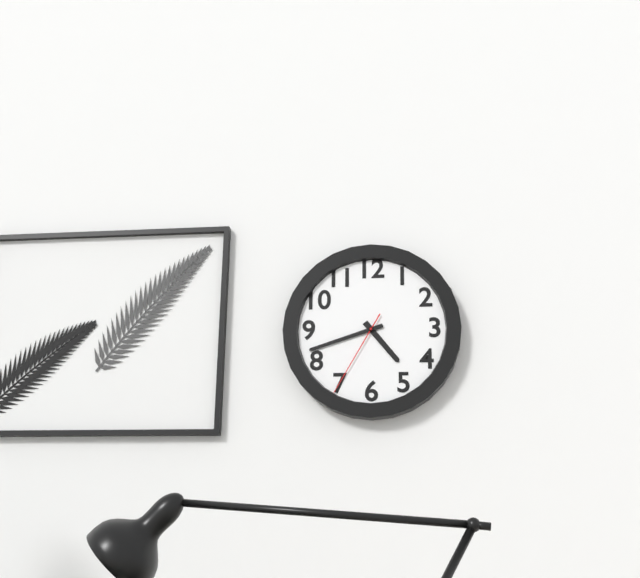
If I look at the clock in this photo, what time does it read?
4:42:35
